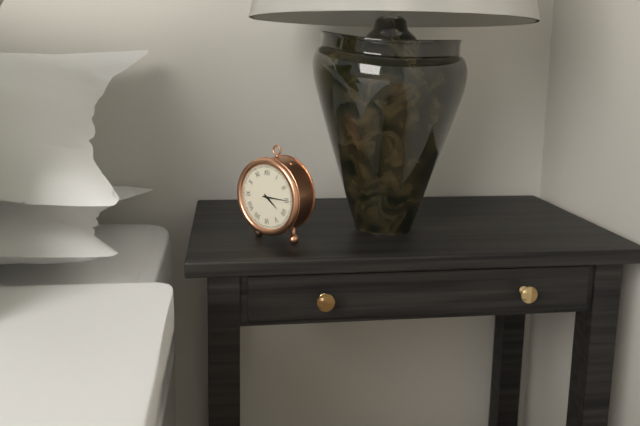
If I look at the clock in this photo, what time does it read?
4:15
